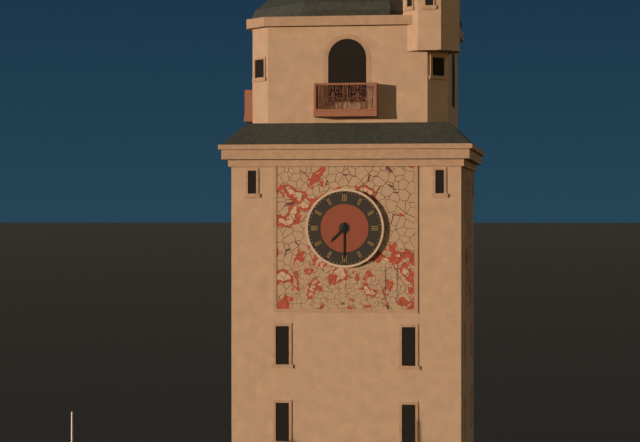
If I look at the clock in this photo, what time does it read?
7:30
